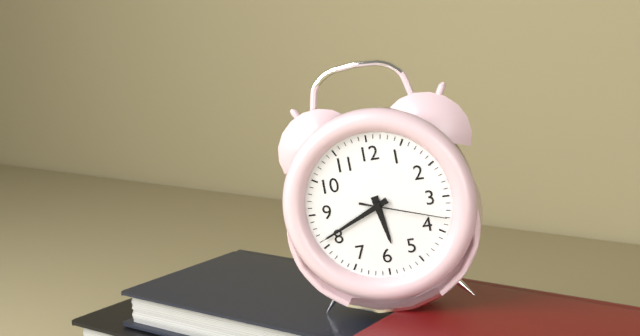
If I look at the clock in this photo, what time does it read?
5:41:18
